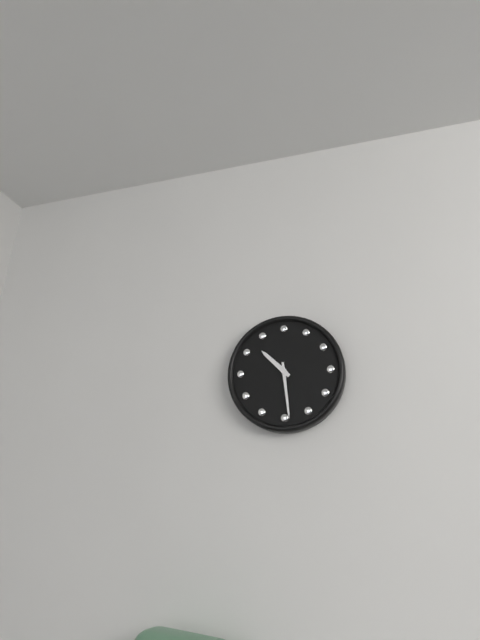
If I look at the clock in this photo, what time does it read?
10:29
